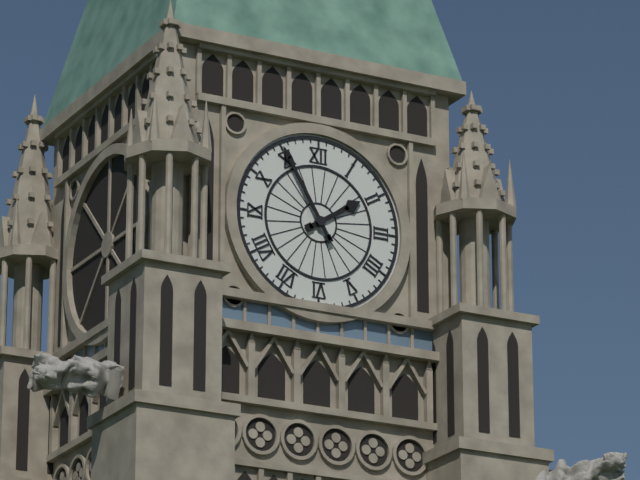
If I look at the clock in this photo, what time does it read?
1:55
